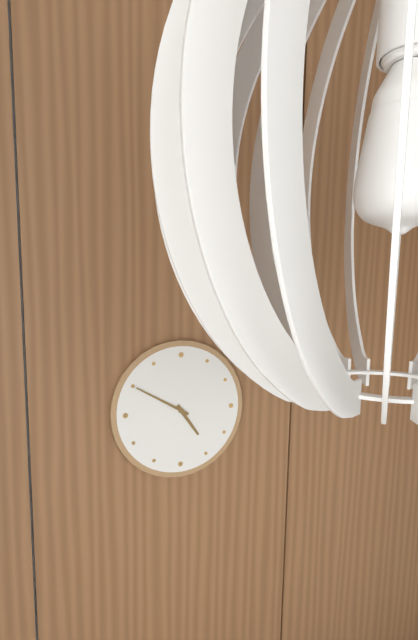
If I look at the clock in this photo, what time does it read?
4:50
